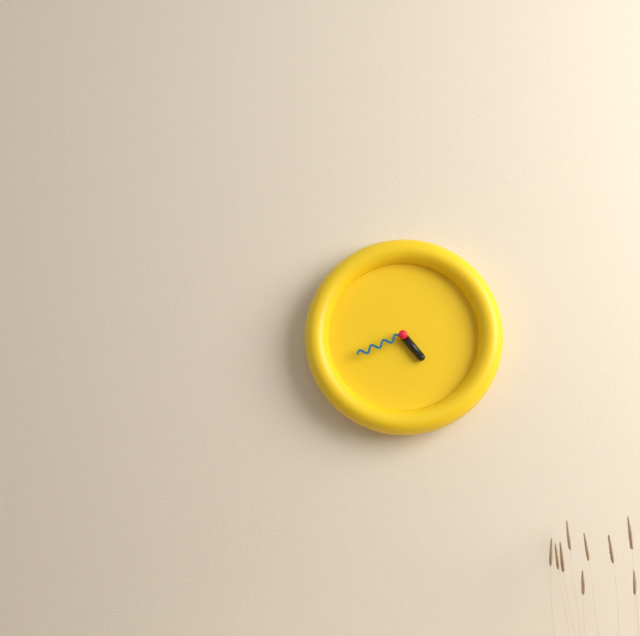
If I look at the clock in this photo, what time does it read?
4:41
